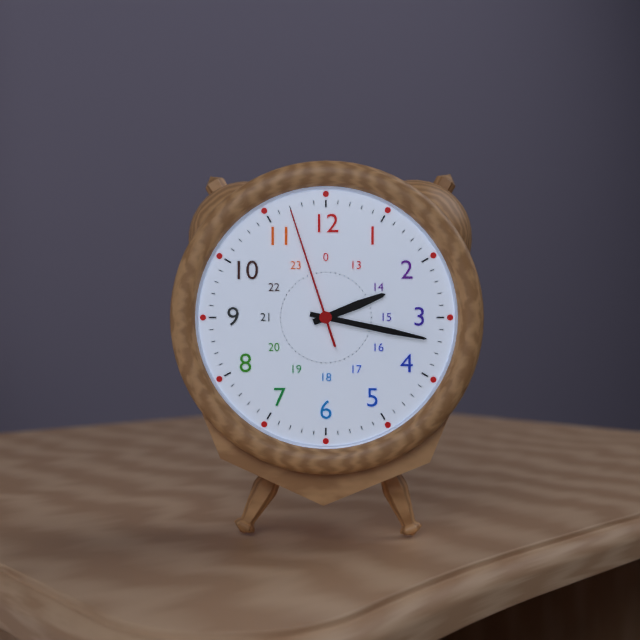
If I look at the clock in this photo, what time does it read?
2:17:57
